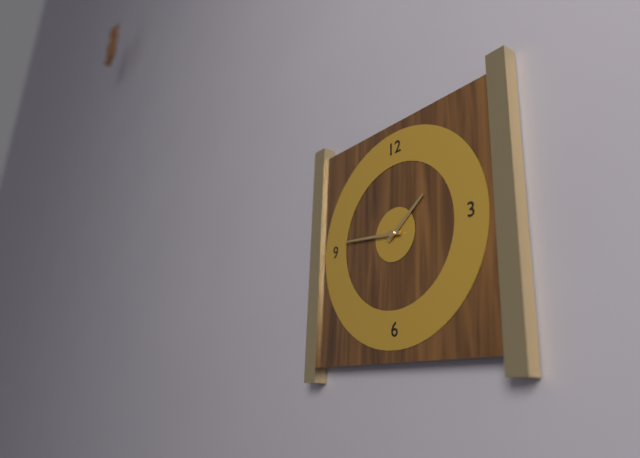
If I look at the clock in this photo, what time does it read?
1:46
